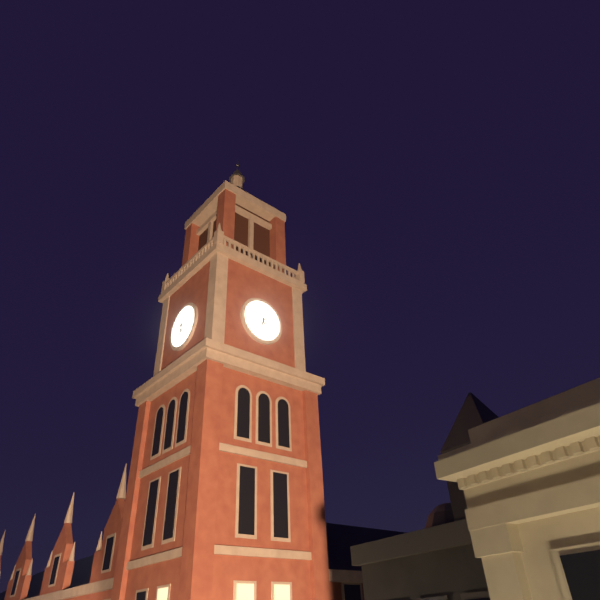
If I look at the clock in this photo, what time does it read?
6:27
